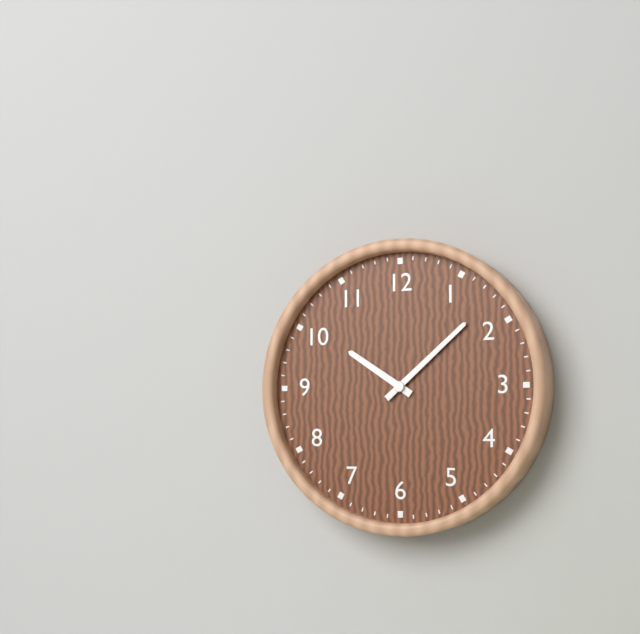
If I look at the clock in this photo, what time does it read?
10:08
